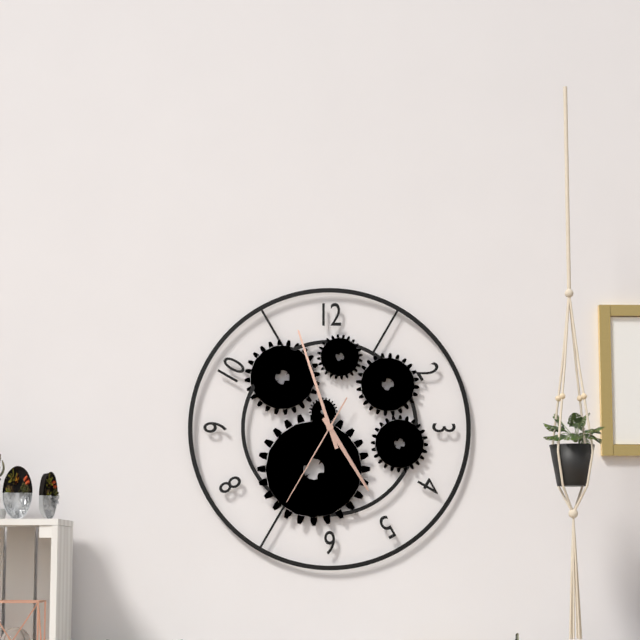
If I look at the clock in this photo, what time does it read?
4:57:35
